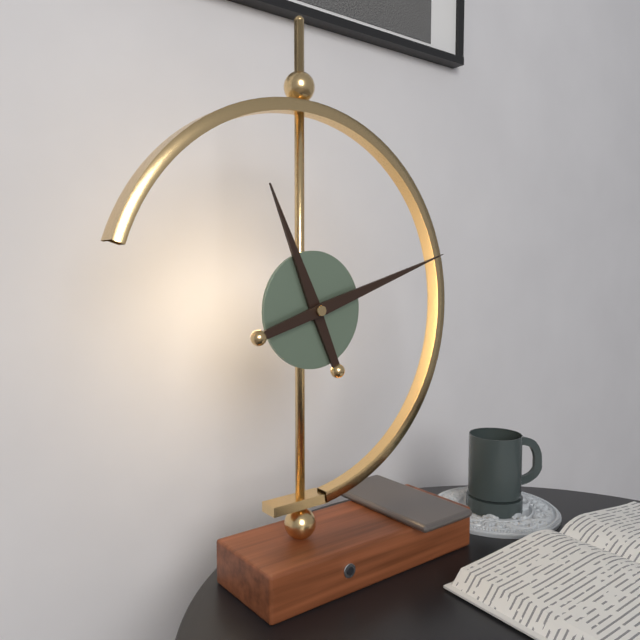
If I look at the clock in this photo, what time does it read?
11:12
